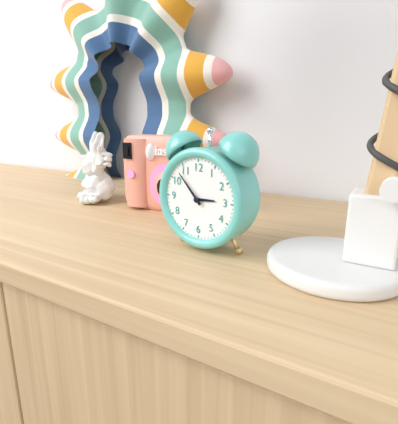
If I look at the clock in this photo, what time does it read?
2:53
